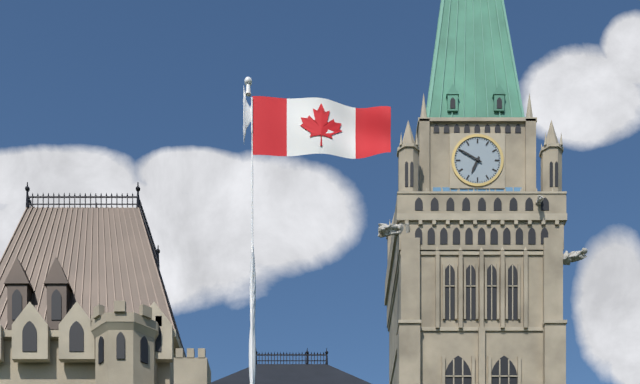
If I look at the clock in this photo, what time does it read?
6:50
